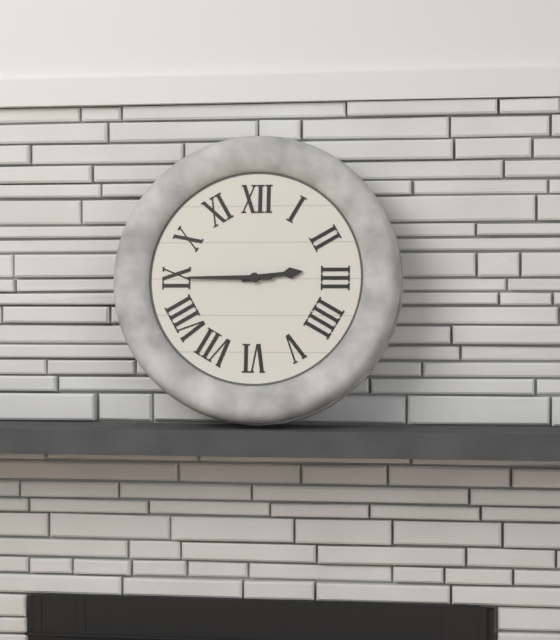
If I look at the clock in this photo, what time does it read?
2:45
